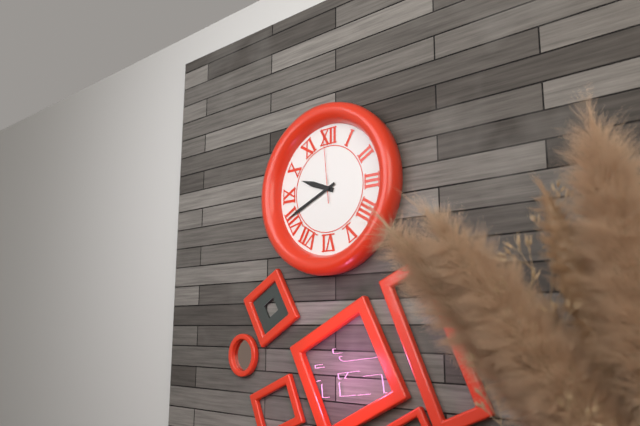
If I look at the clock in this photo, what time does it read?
9:41:59
